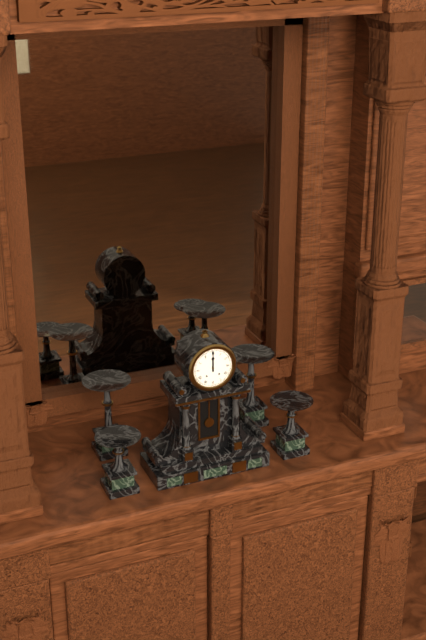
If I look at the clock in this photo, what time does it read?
12:00
